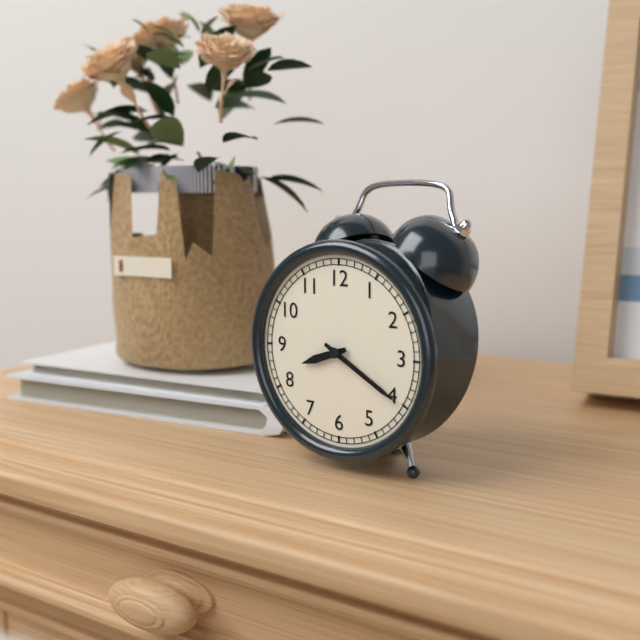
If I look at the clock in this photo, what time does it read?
8:20
